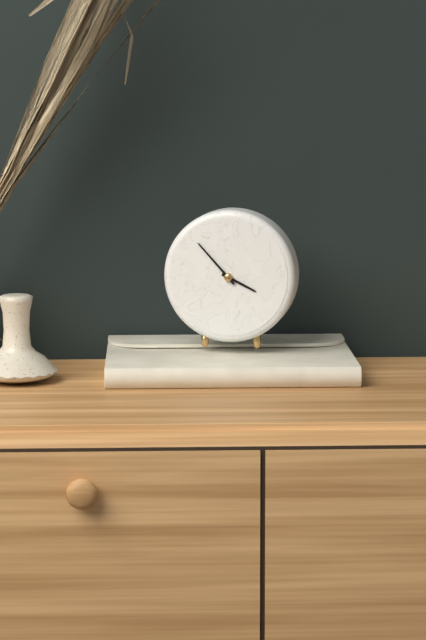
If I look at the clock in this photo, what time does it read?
3:53
